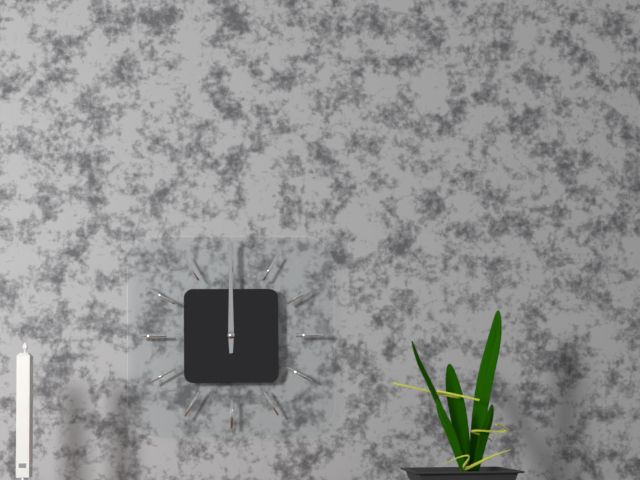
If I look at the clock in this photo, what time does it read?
12:00
